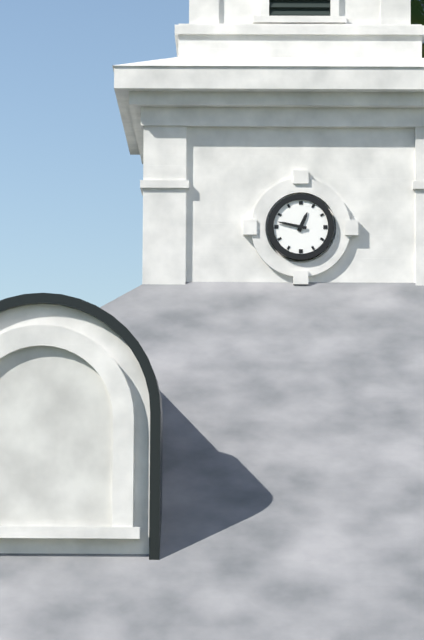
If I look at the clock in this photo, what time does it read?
12:47
